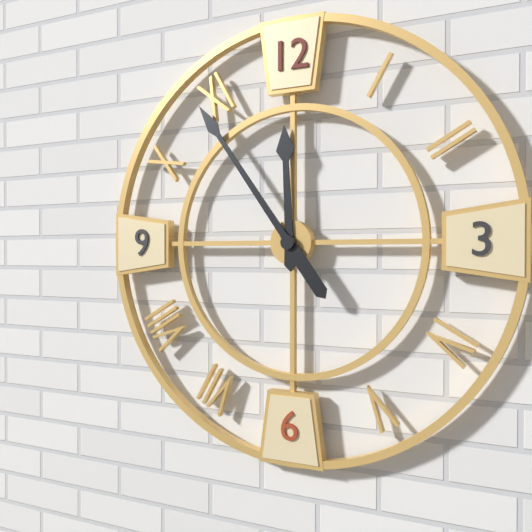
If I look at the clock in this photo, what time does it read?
11:54
